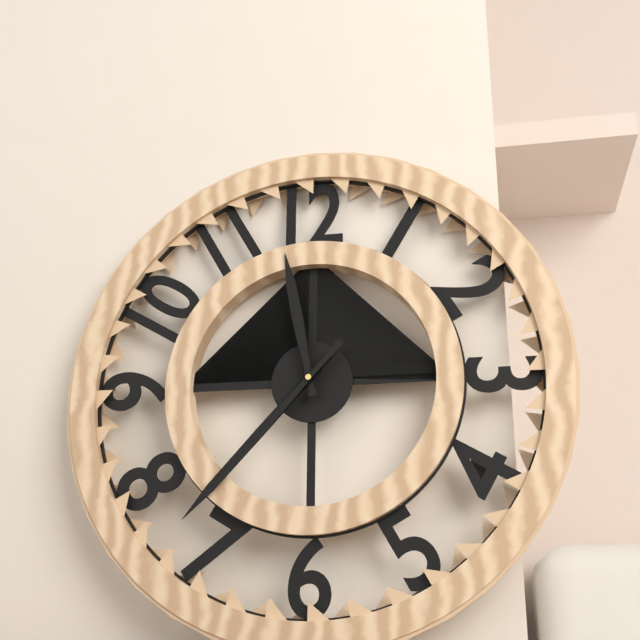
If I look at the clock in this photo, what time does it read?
11:37
